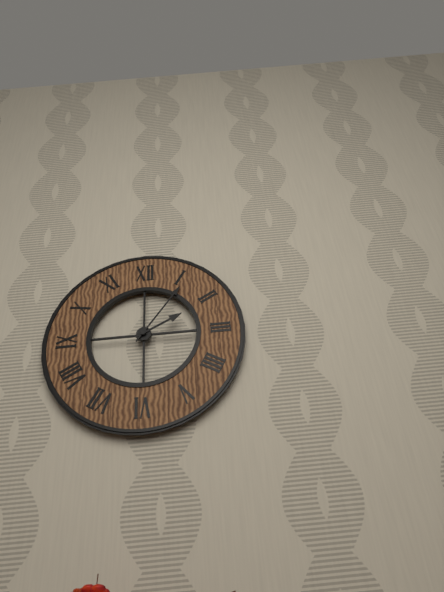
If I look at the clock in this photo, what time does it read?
2:06
